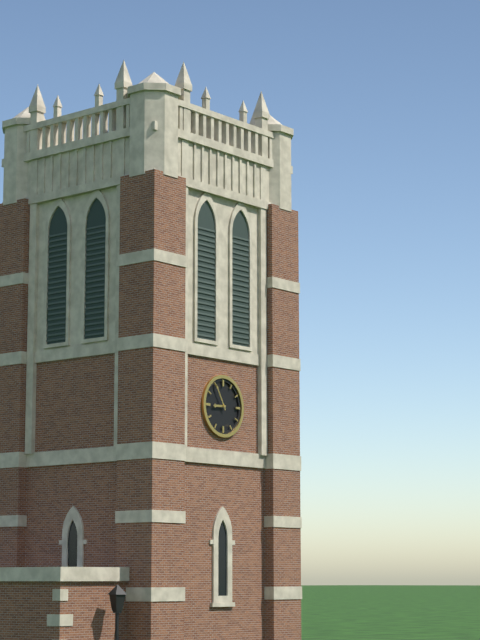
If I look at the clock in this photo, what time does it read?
8:55
